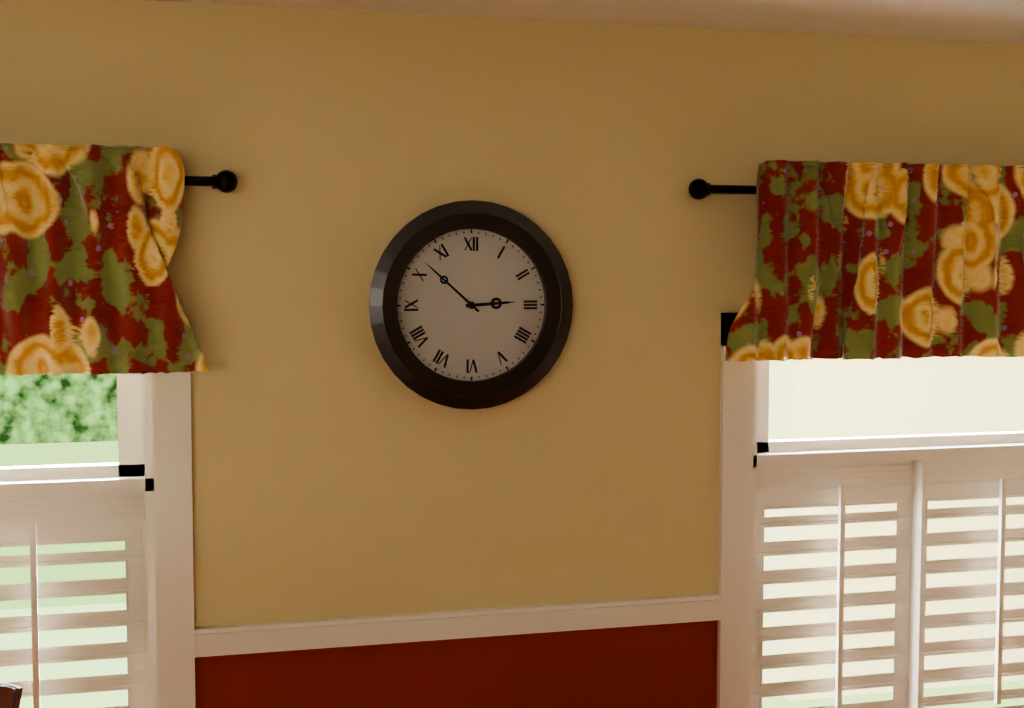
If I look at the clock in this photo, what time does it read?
2:52
